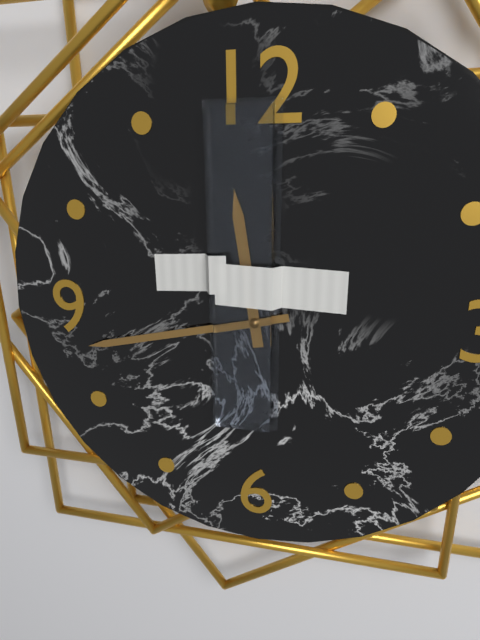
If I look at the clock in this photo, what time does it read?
11:43
